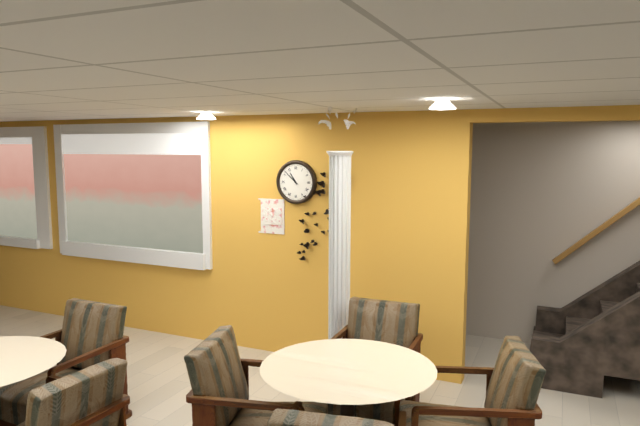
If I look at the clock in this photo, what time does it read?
10:52
